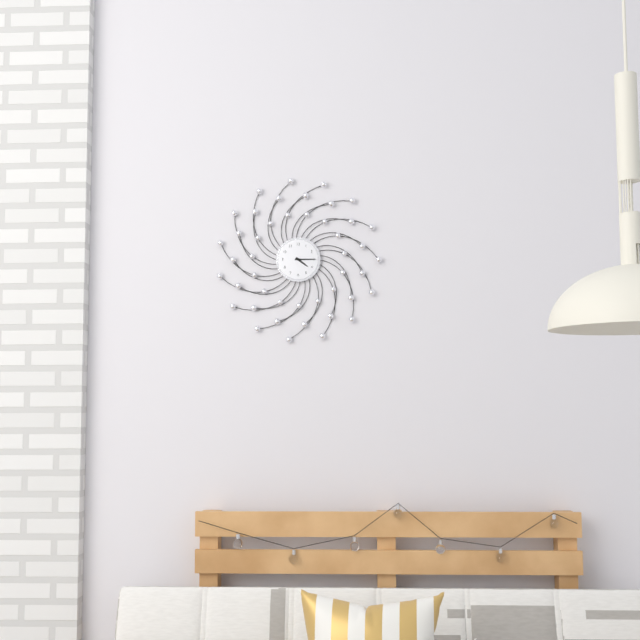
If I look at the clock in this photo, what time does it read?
4:15
